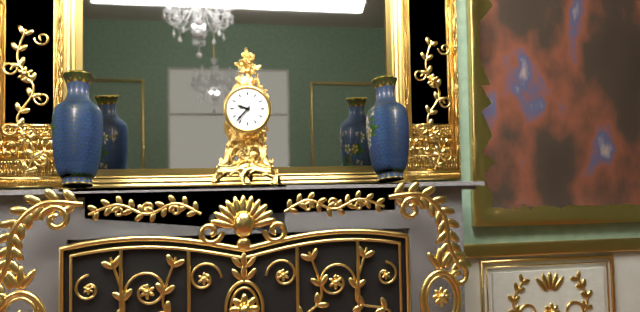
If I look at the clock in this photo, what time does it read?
9:37
